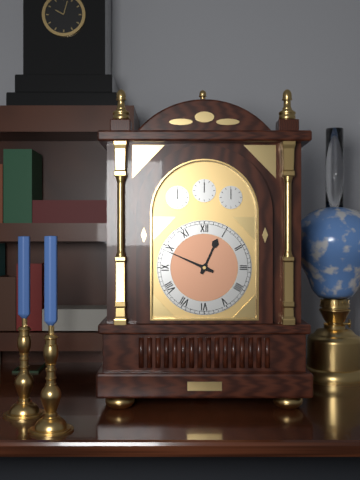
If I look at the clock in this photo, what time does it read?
12:49
